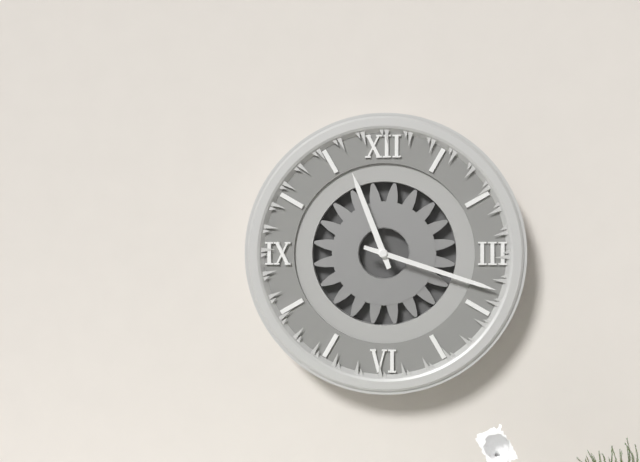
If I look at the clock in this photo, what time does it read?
11:18
